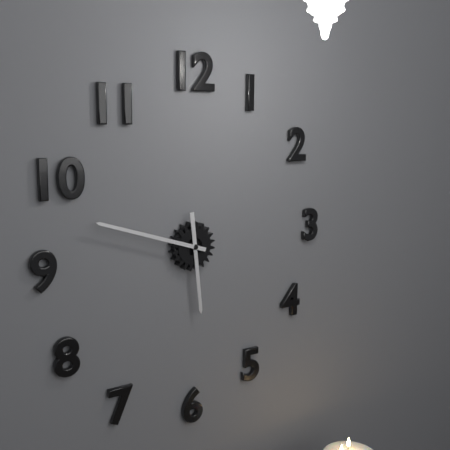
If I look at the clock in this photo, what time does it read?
5:48
